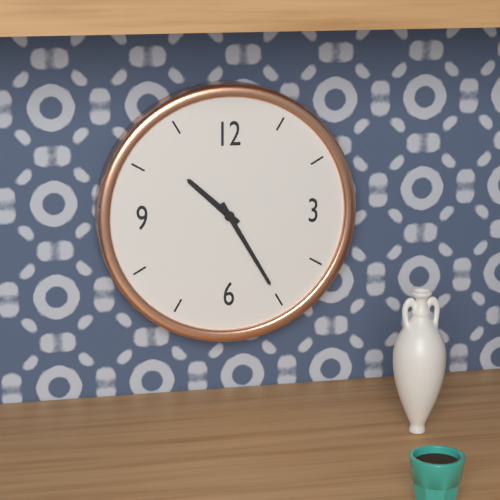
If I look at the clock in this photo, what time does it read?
10:25
